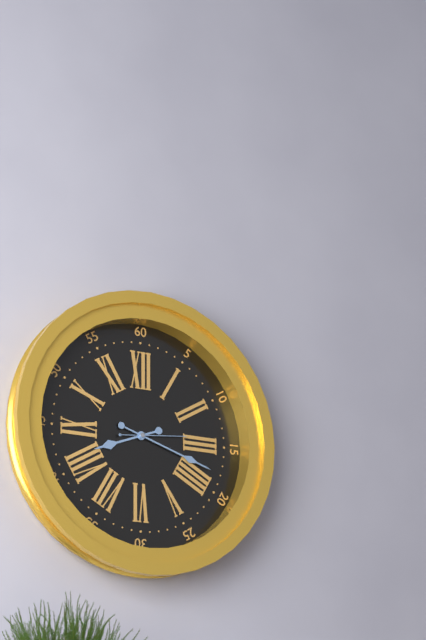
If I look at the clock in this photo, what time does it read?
8:18:14
